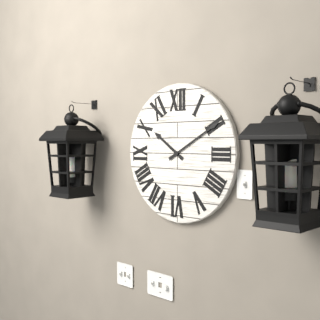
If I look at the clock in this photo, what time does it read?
10:10
